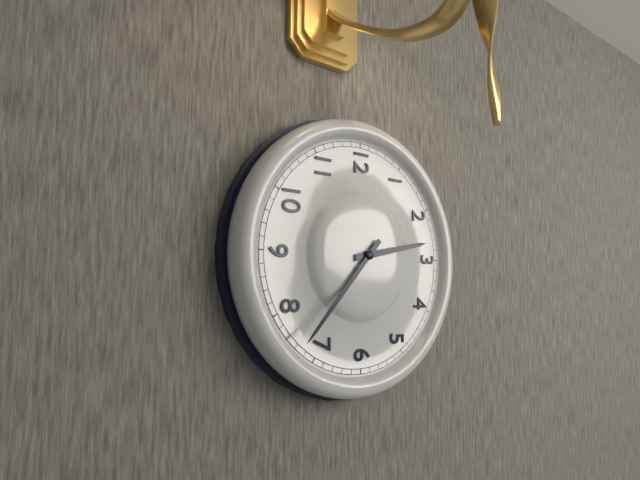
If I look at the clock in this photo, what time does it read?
2:37
